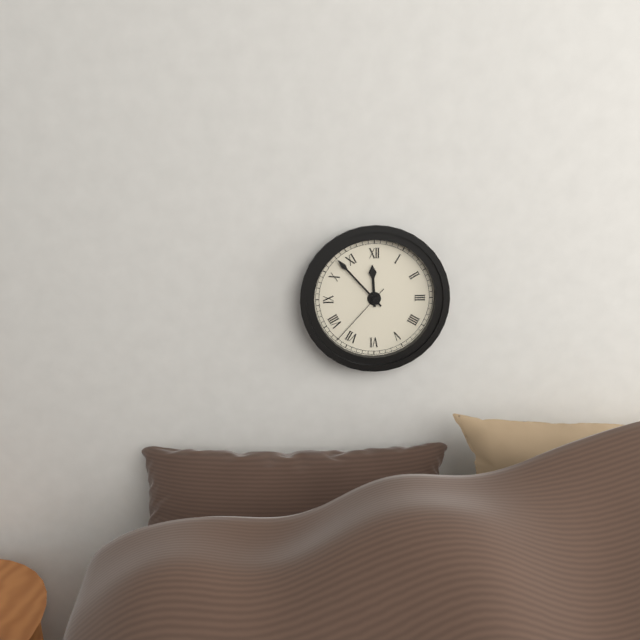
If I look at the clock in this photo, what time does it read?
11:53:37
